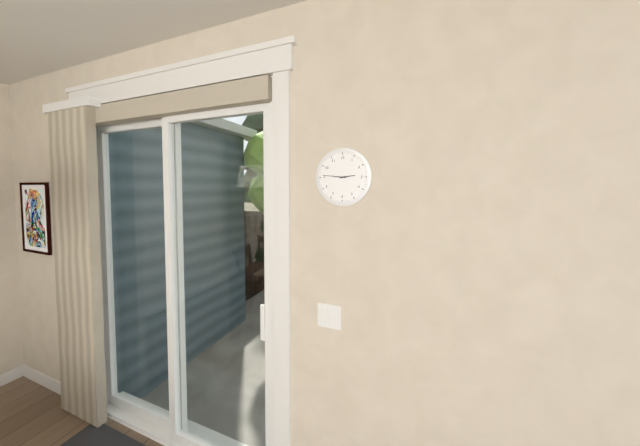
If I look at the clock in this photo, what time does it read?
2:46
